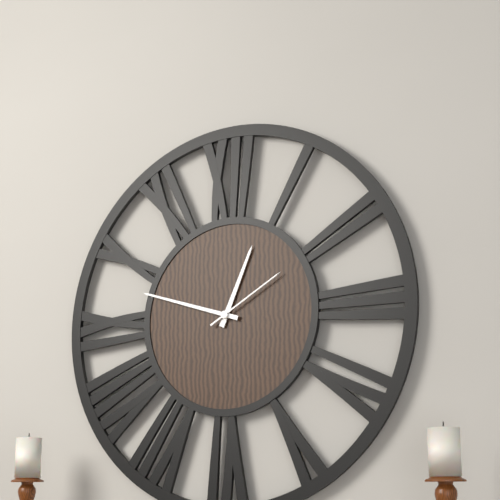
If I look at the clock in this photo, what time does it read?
12:48:10
